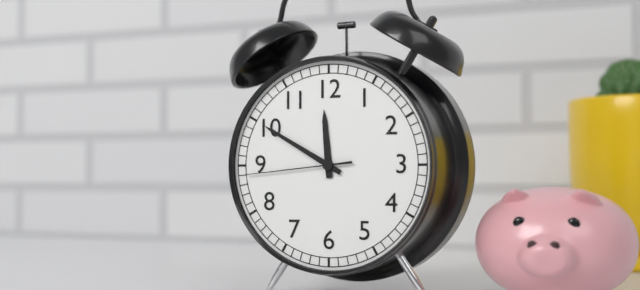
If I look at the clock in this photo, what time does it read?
11:50:44
